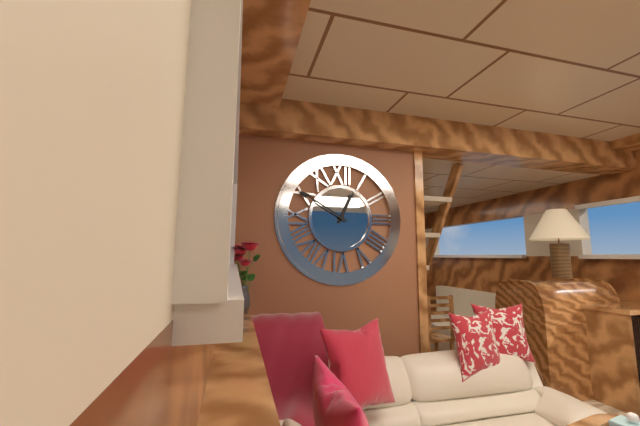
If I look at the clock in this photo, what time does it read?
12:50
